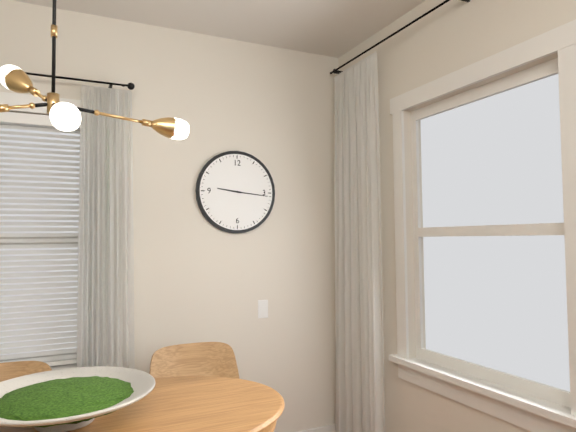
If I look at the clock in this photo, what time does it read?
9:16
